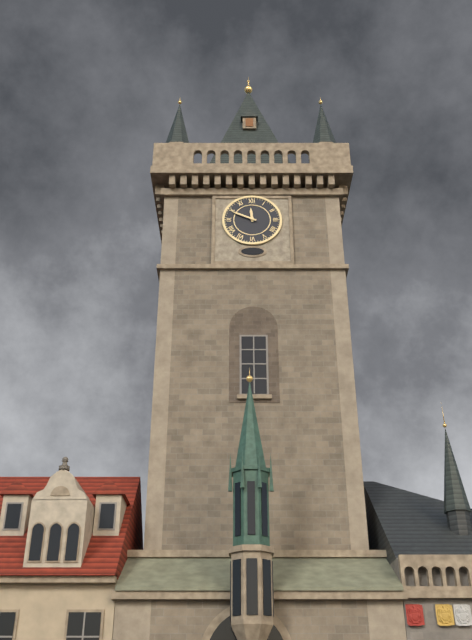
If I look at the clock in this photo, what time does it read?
11:49
